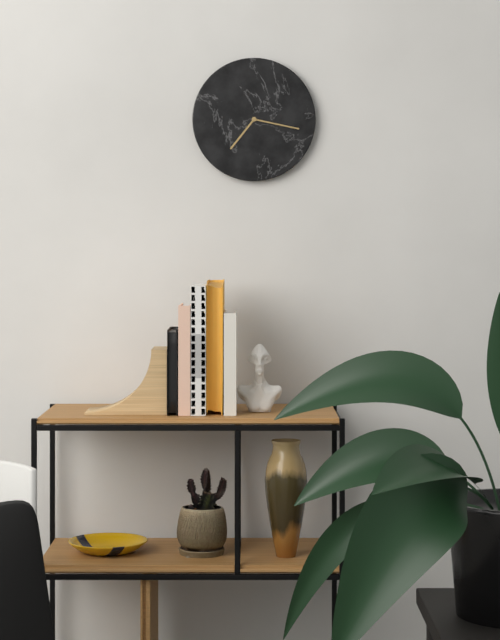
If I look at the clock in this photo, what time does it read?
7:17
